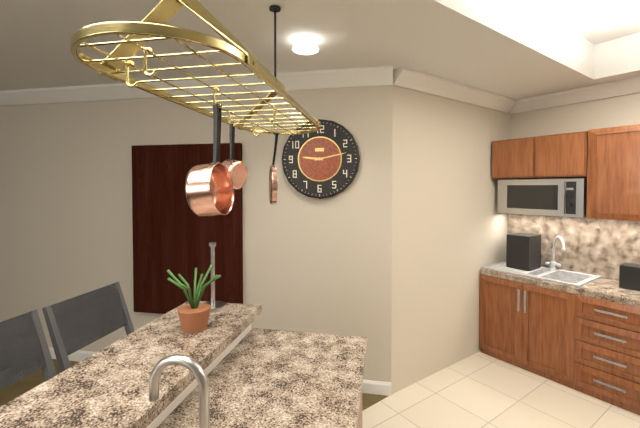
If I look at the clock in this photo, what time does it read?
9:13
